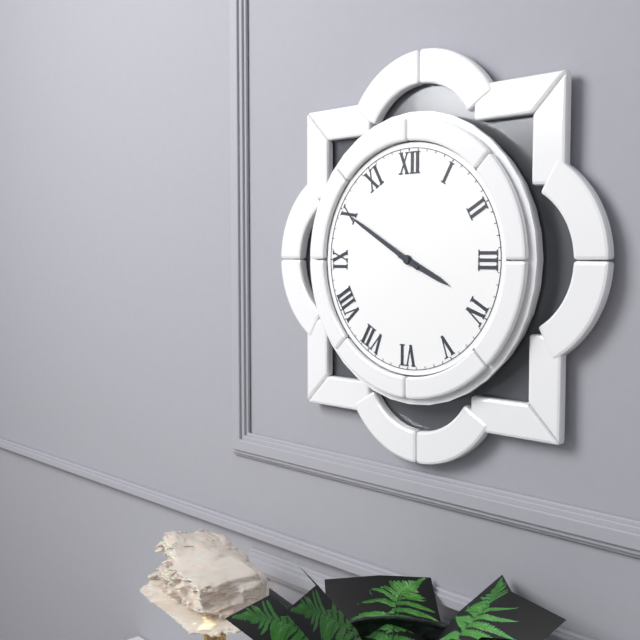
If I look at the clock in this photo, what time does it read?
3:50
